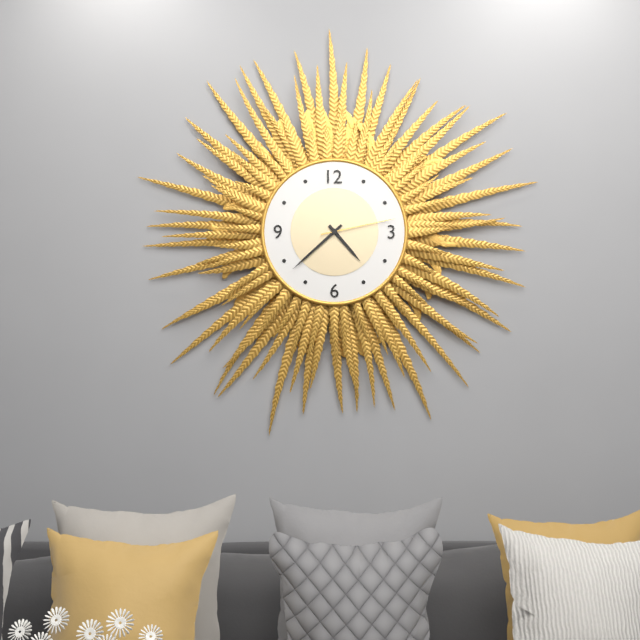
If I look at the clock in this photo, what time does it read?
4:38:13
